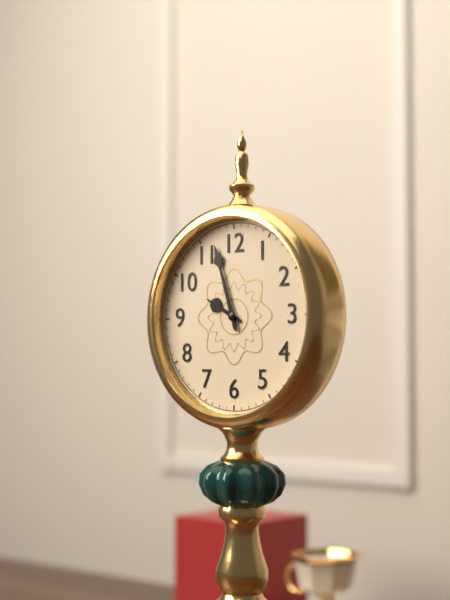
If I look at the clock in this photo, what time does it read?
9:57
